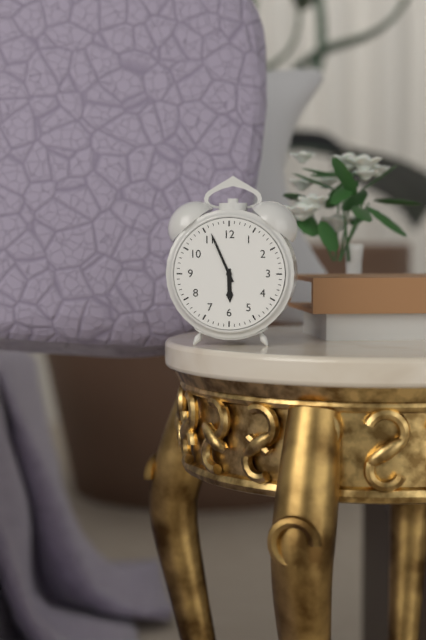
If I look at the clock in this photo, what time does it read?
5:56
